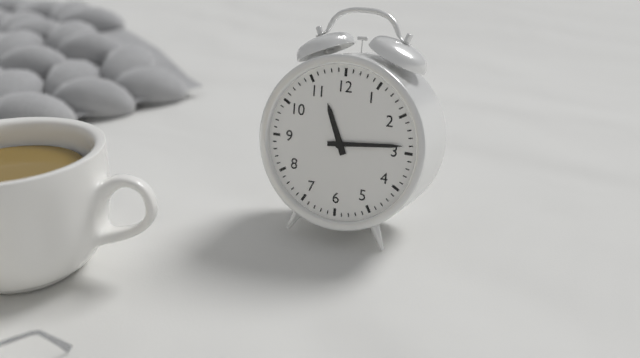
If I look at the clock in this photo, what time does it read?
11:14
